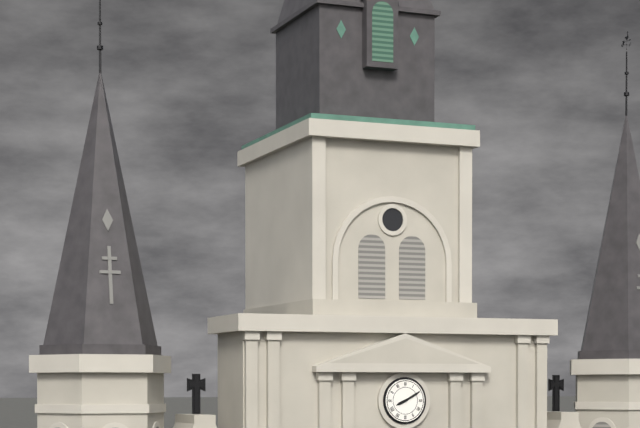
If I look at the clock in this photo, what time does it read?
8:10
